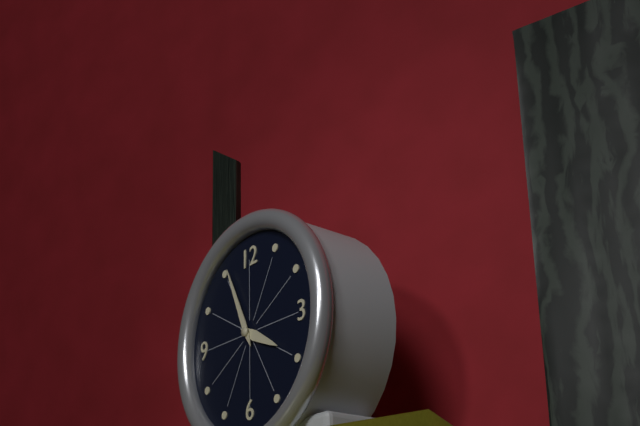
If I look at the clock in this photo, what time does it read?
3:56
